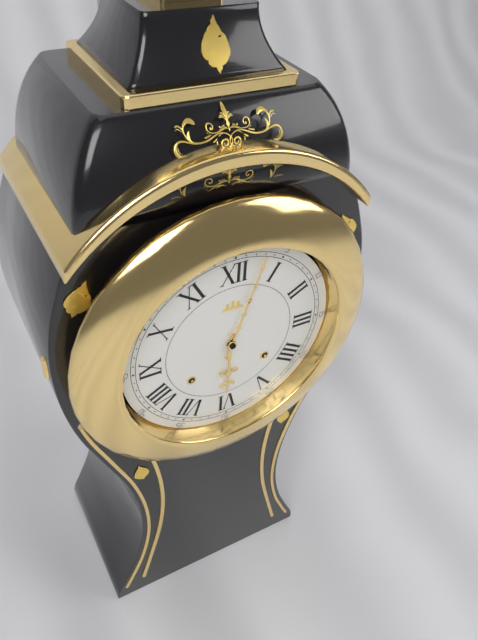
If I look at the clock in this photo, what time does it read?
6:03
